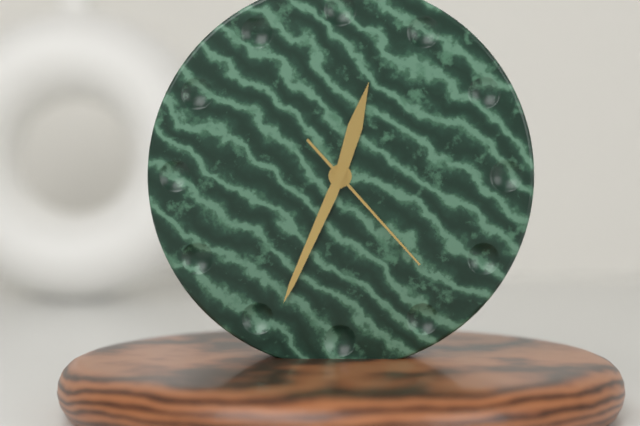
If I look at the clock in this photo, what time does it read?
12:34:23
